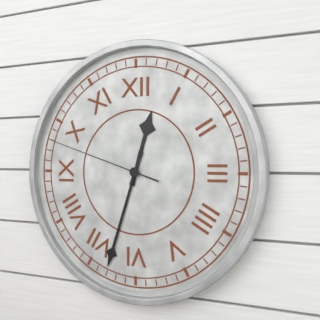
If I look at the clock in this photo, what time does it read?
12:33:48
